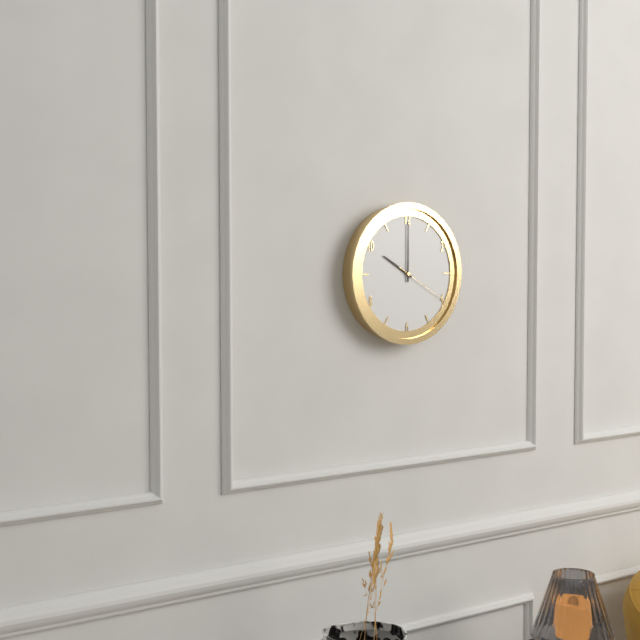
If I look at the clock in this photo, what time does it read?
10:00:20
